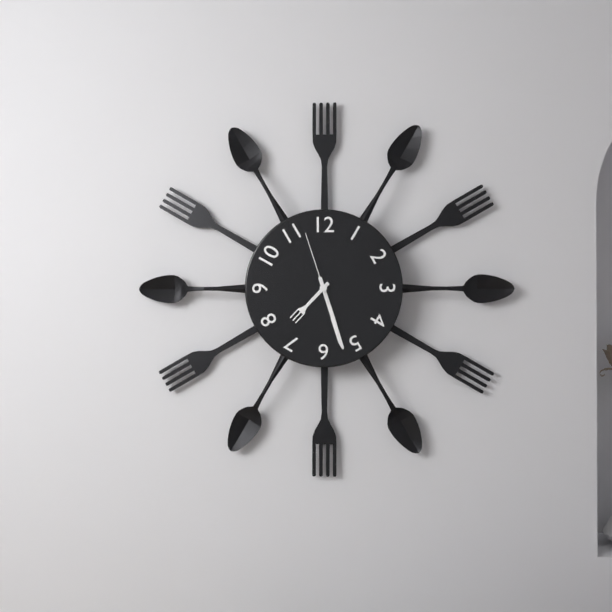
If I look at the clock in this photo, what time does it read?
7:27:57
